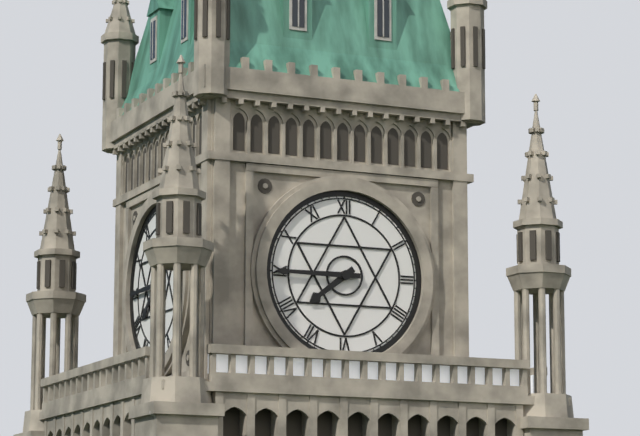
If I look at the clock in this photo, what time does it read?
7:45
